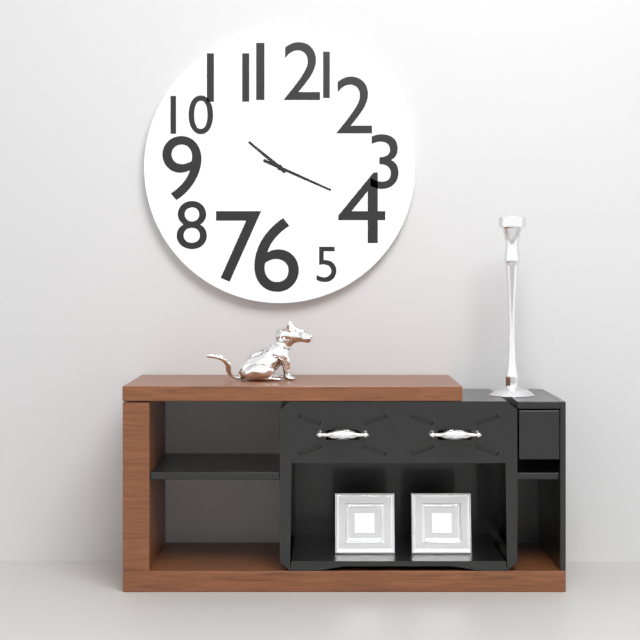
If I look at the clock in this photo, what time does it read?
10:19
